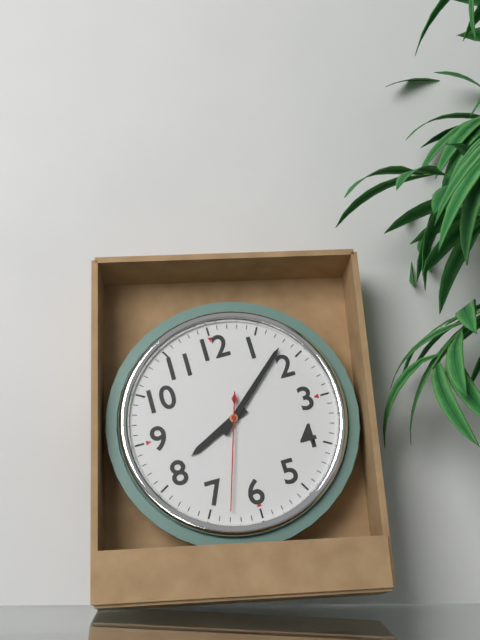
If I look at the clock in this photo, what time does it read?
8:08:33
